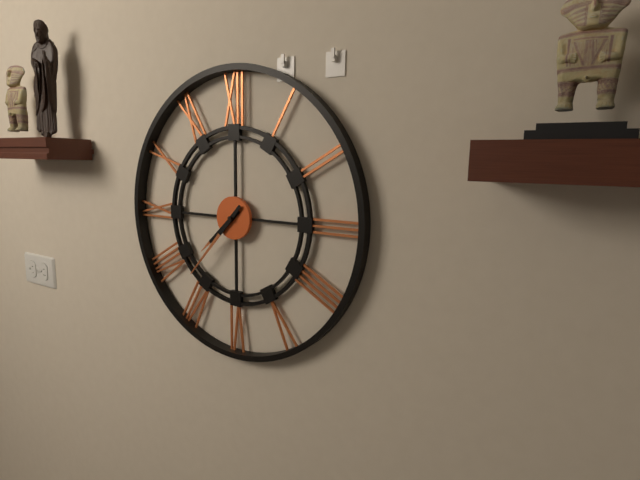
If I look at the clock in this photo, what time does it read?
7:37
